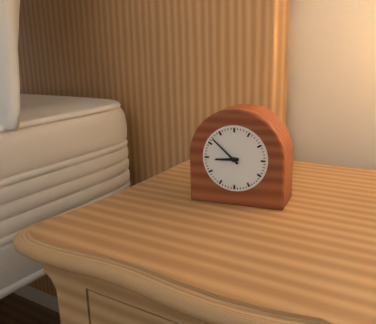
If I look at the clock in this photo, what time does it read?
8:52
